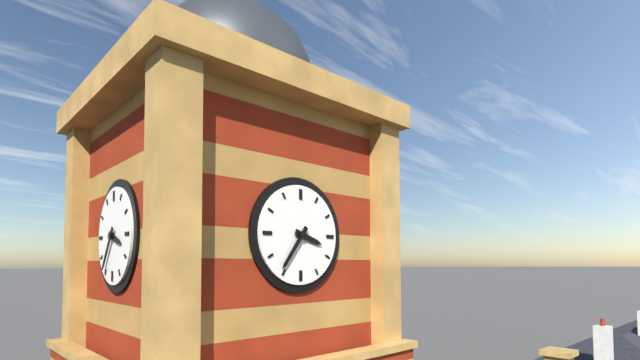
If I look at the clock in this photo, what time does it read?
3:36
